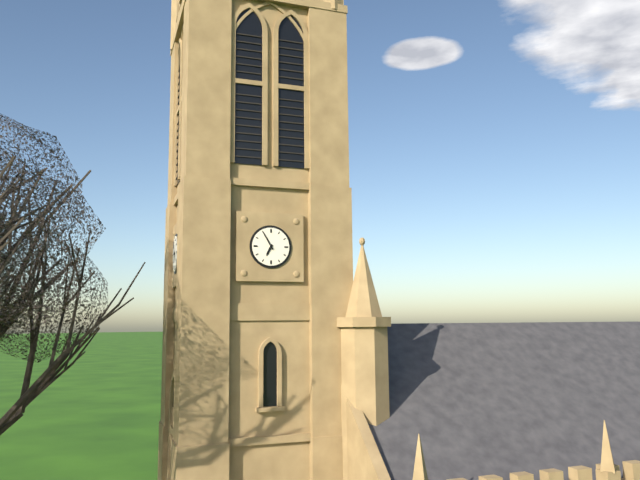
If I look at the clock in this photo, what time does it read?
6:55
